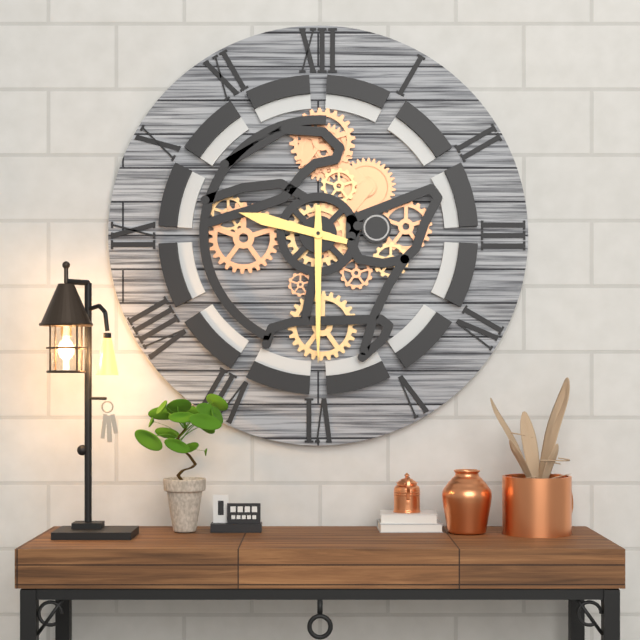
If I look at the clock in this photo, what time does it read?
9:30
